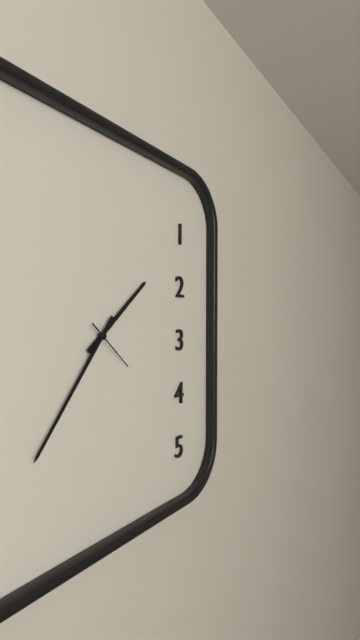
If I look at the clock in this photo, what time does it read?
1:36:22
